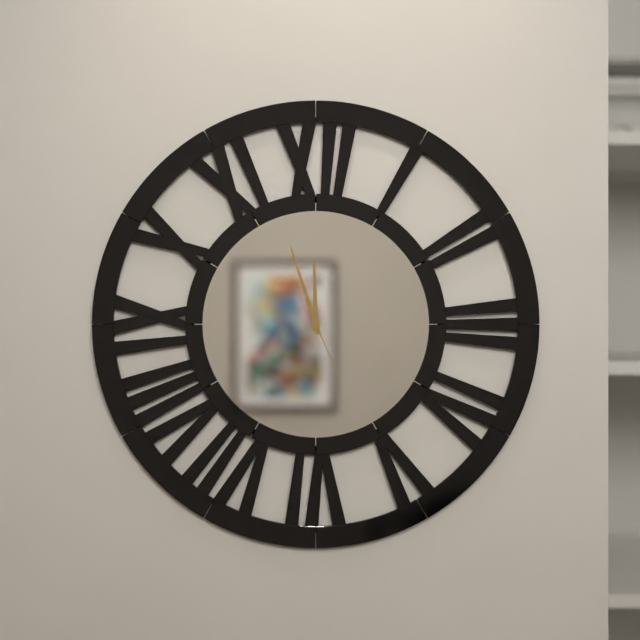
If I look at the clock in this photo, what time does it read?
11:57:26
